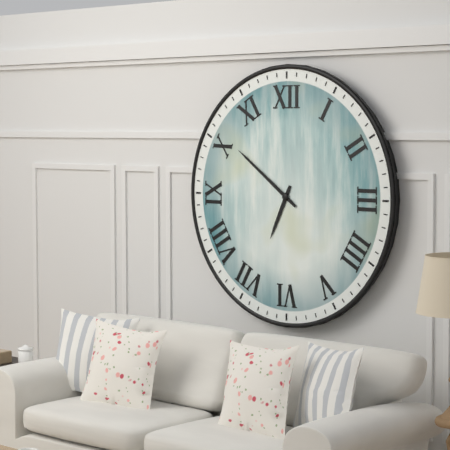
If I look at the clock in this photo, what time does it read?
6:51
